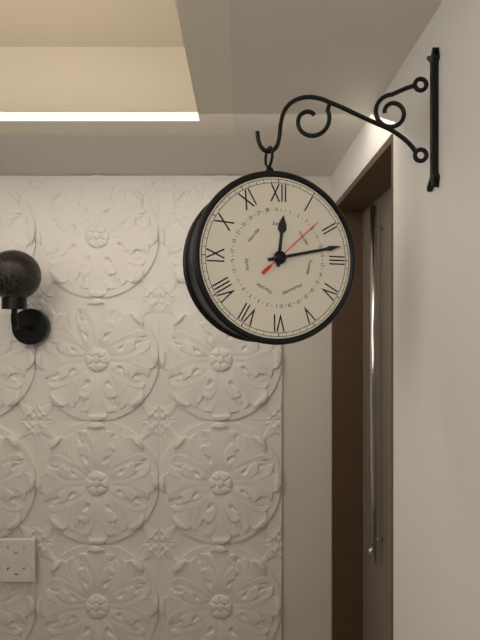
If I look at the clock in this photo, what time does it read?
12:13:08
